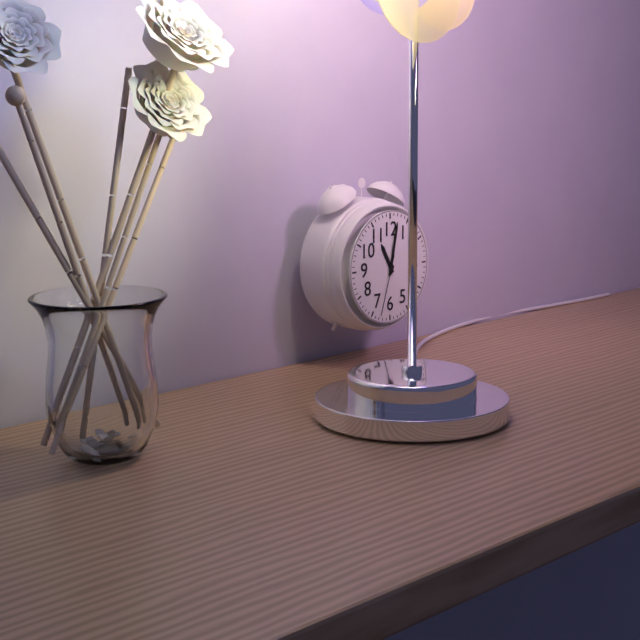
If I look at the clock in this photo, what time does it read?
11:02:33
